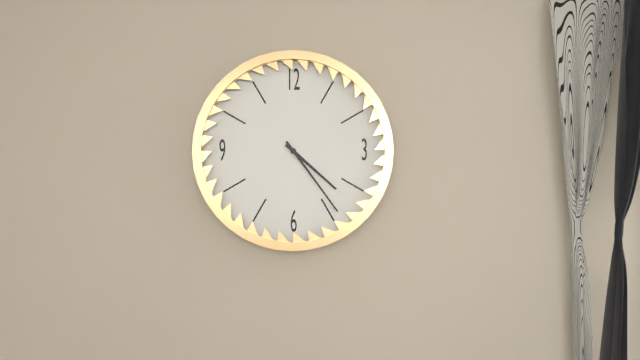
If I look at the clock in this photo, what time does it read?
4:24
